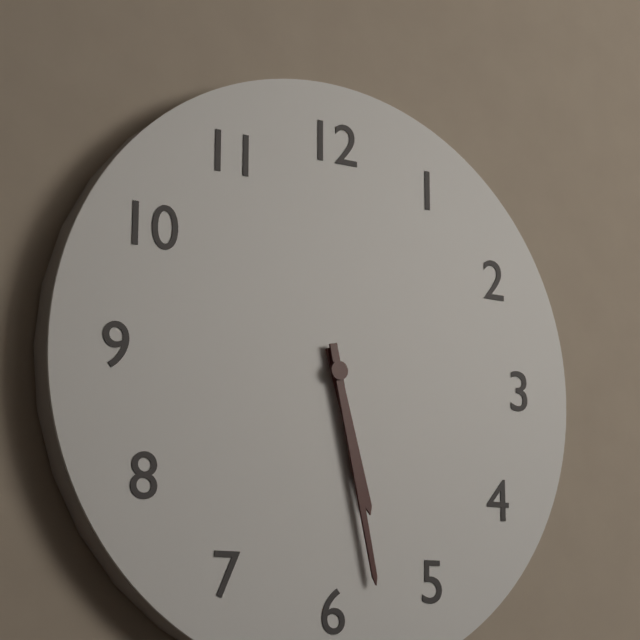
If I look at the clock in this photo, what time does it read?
5:28
